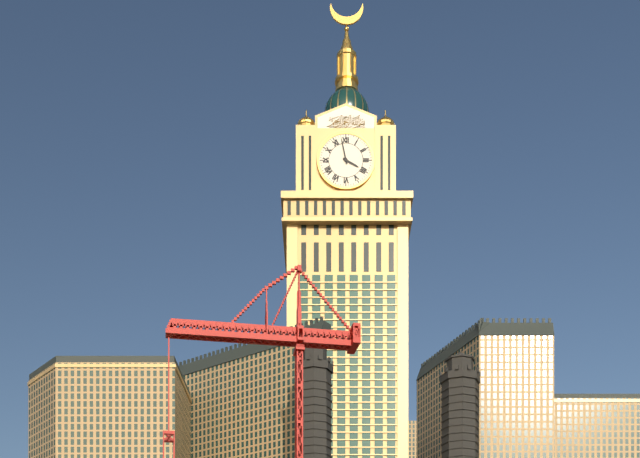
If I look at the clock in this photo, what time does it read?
3:58
